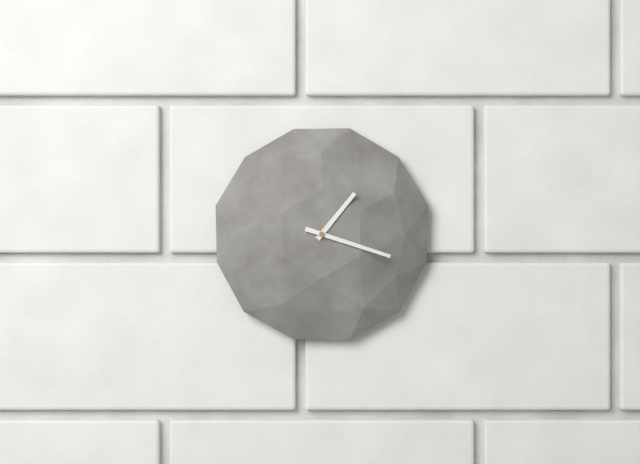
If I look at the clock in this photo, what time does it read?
1:18
